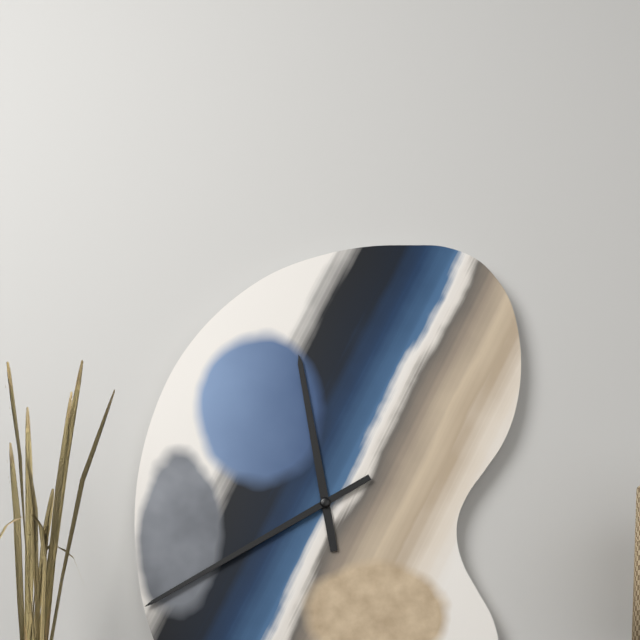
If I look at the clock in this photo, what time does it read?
11:40
